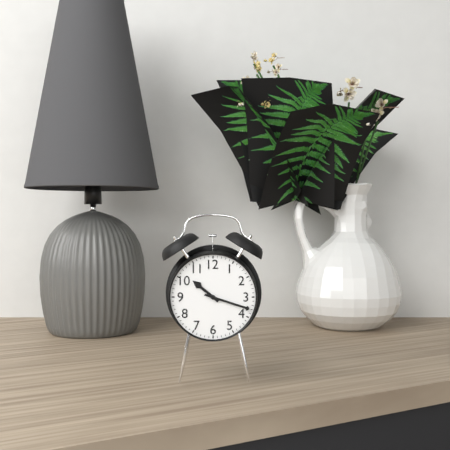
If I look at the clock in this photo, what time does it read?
10:18
